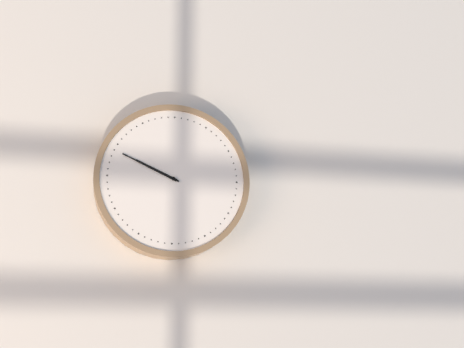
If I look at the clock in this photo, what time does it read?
9:49
